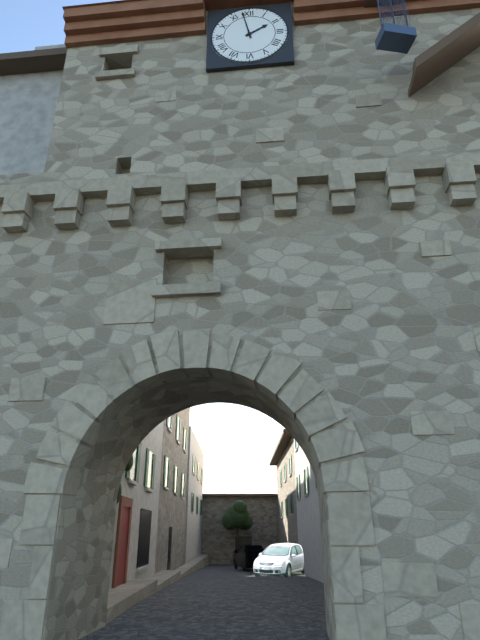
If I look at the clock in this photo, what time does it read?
1:58
